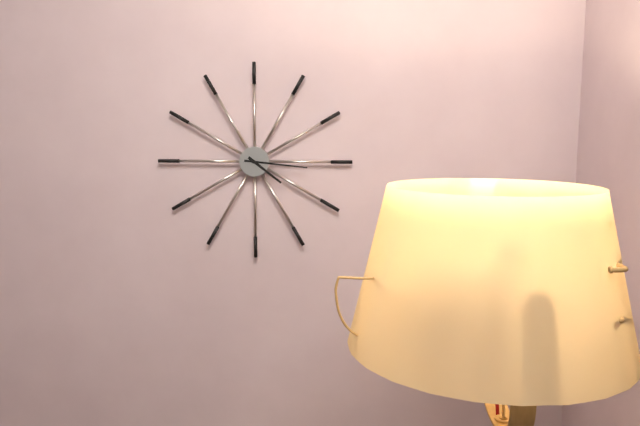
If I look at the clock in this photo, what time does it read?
4:16
